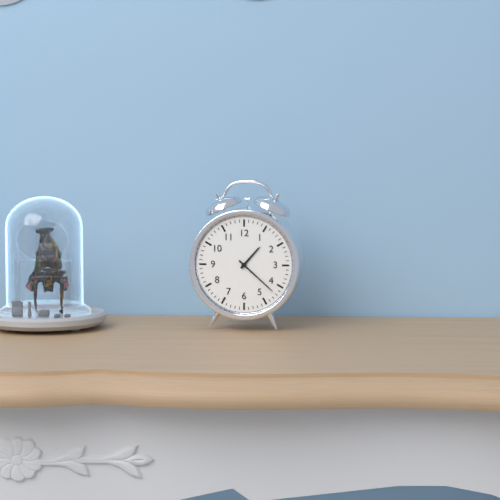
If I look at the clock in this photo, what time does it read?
1:22
